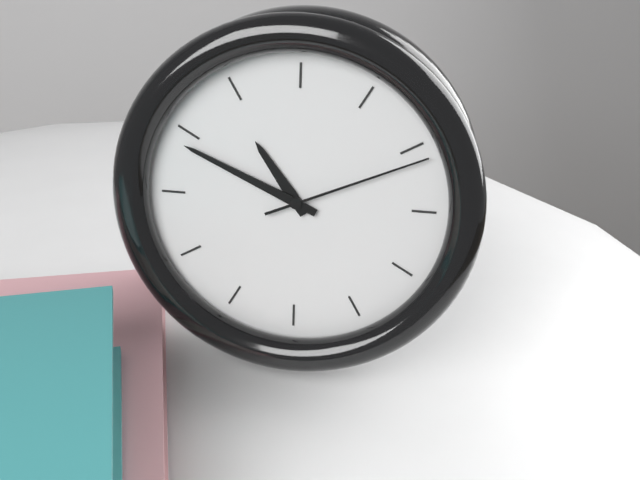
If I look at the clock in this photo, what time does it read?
10:49:11
